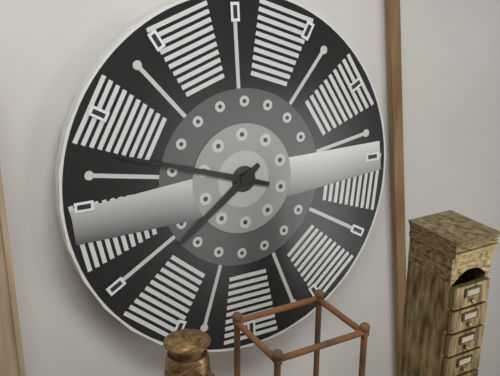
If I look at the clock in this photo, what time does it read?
7:48
